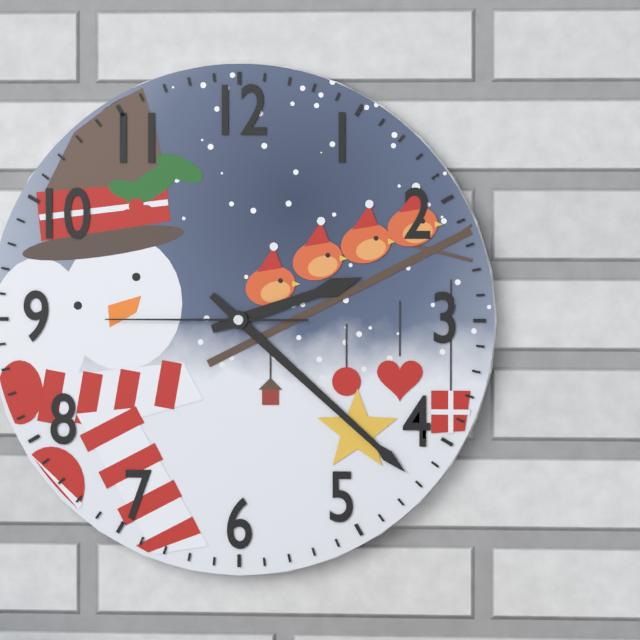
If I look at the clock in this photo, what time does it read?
2:22:45
